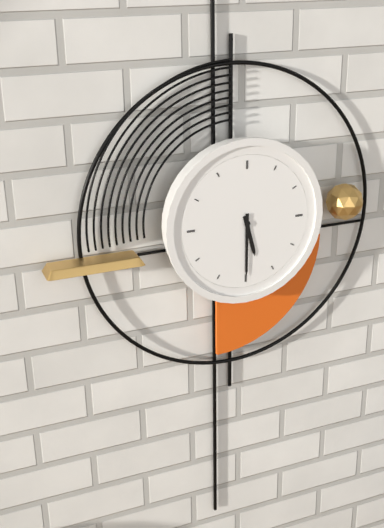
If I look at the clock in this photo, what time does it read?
5:30
